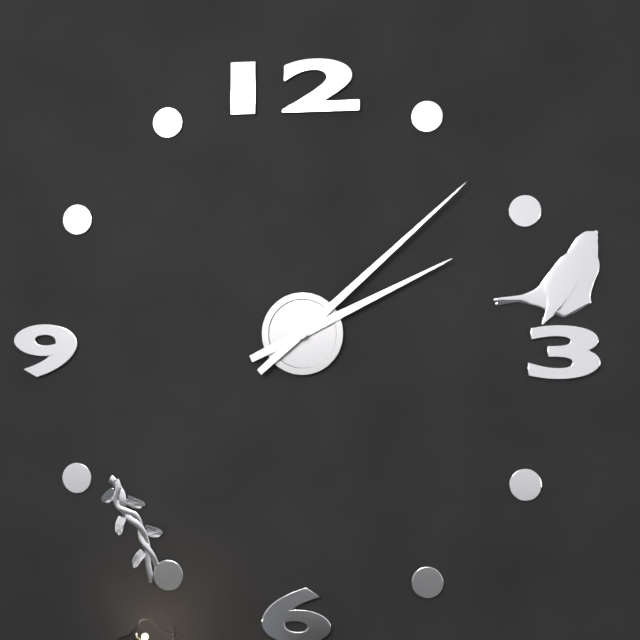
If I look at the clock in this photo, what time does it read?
2:08
